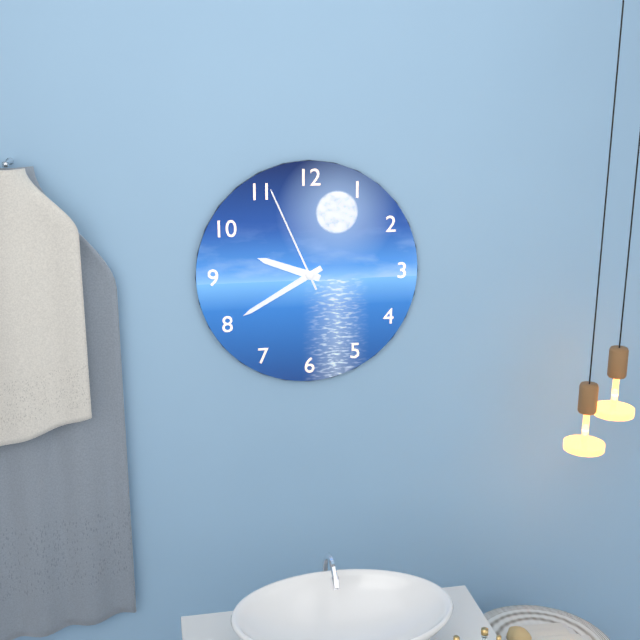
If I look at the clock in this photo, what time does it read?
9:40:56
